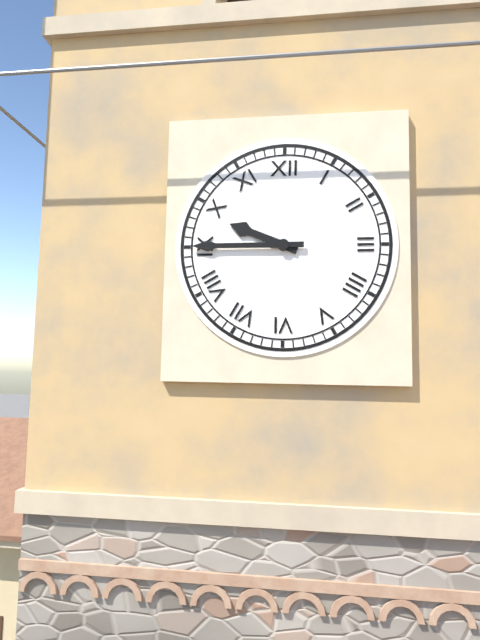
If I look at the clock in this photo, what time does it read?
9:45
